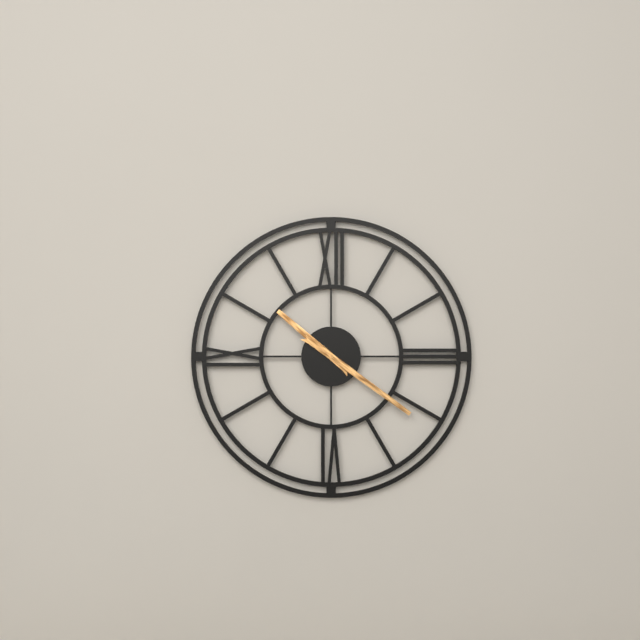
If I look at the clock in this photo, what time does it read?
10:21
